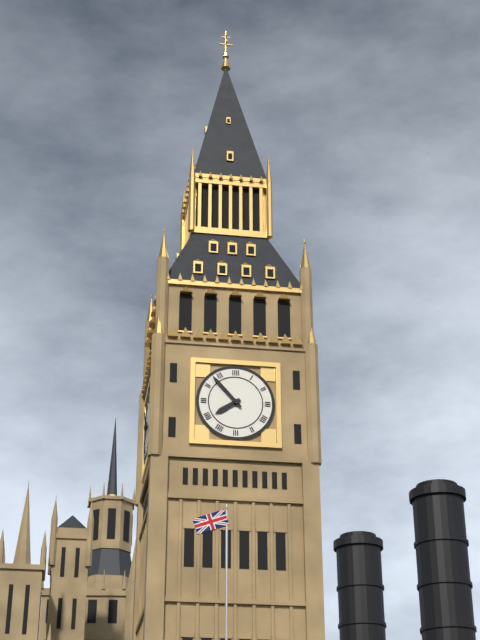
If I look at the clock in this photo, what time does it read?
7:53
